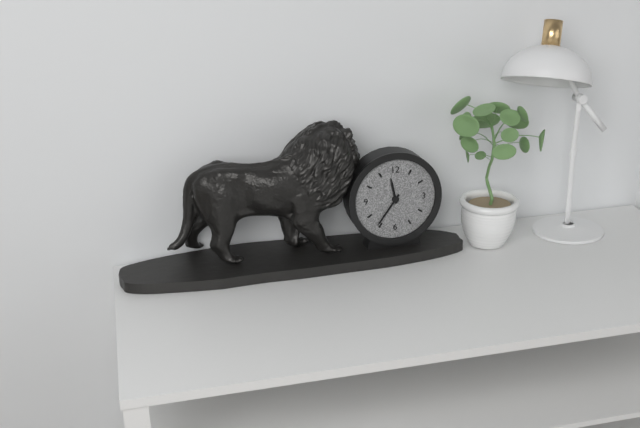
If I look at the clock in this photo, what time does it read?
11:36
